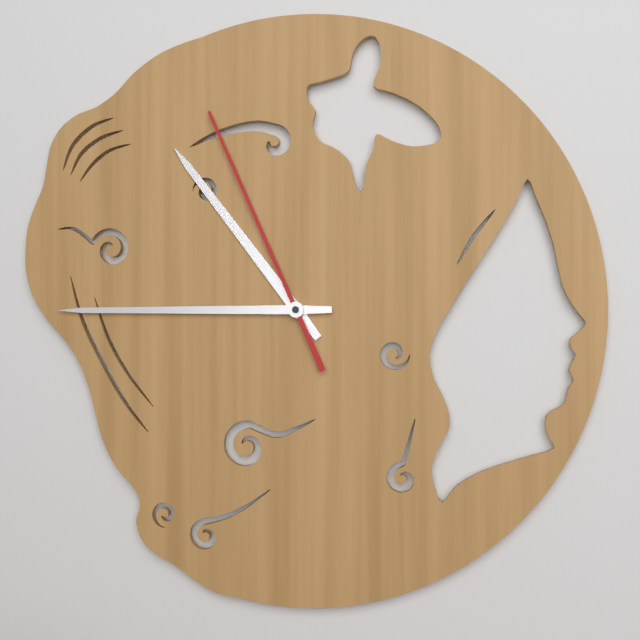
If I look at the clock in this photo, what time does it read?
10:45:56
